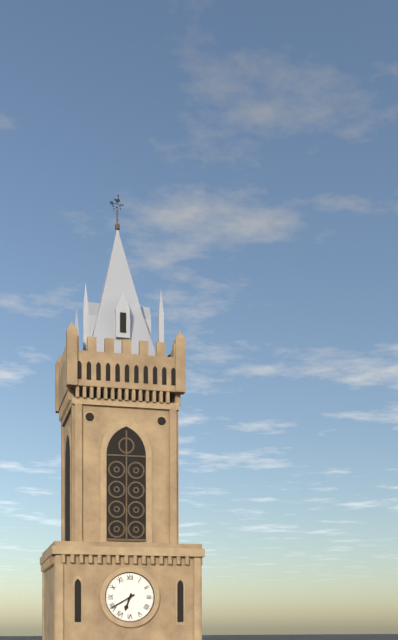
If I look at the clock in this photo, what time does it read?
6:40
